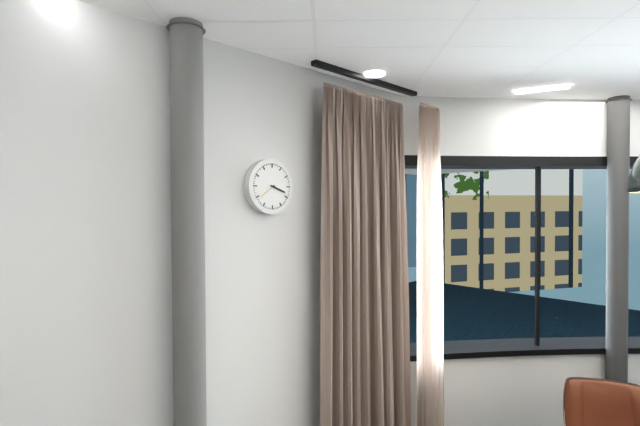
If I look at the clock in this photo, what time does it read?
3:39
